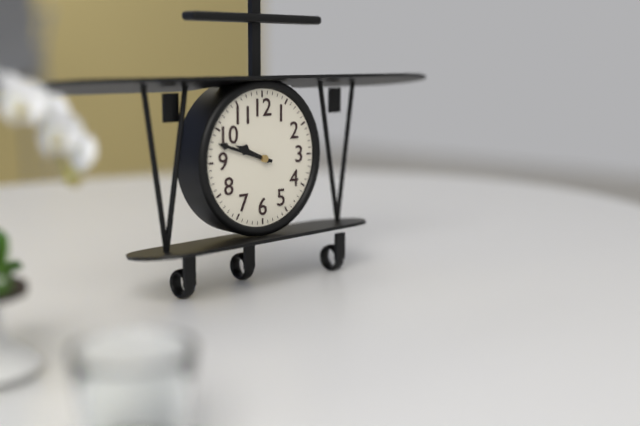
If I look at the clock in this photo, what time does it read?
9:48
